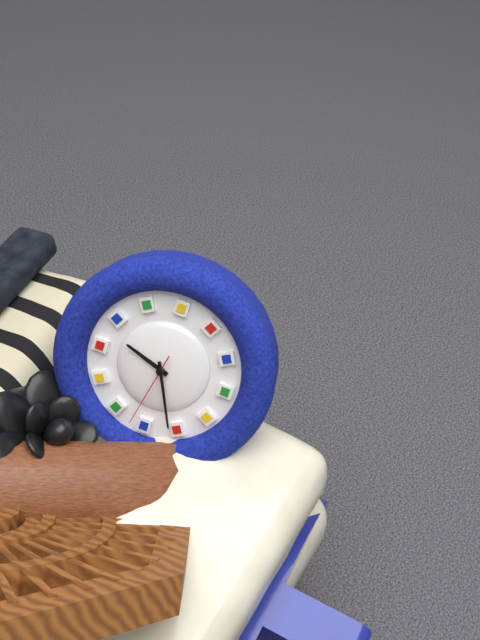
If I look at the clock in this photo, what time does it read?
11:36:42
